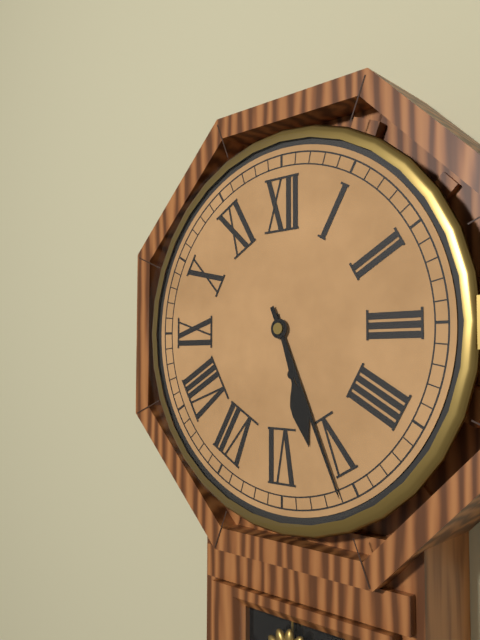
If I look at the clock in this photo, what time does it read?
5:26
